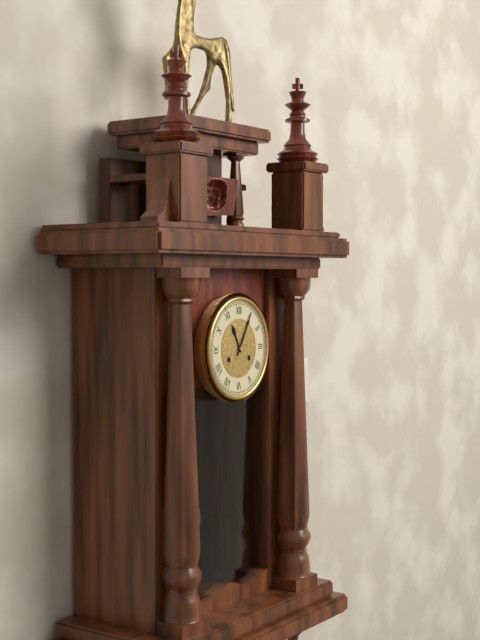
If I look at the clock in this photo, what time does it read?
11:05
